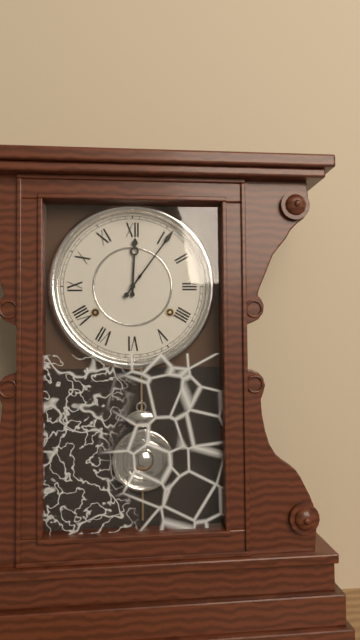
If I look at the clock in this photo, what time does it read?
12:06
